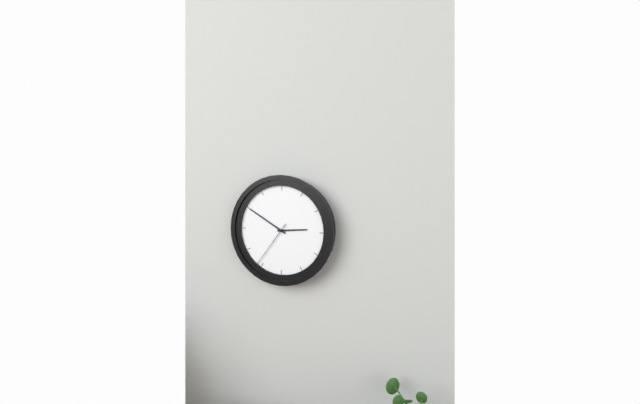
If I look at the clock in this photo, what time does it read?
2:50:36
